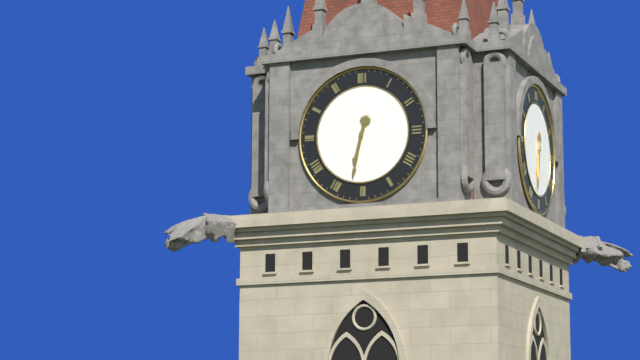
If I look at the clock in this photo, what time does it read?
6:32
